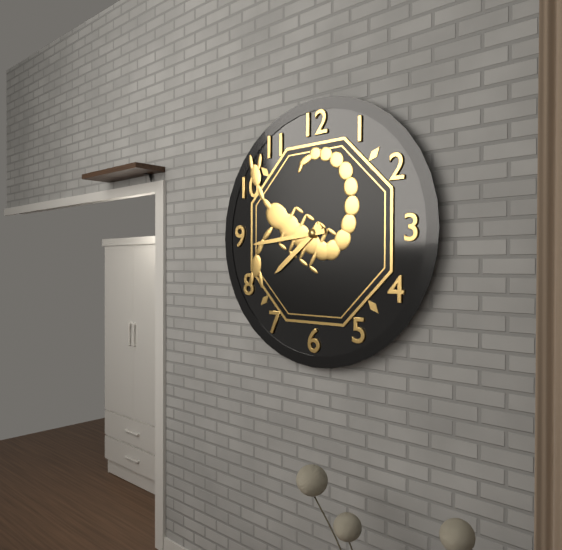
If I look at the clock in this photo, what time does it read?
7:44
